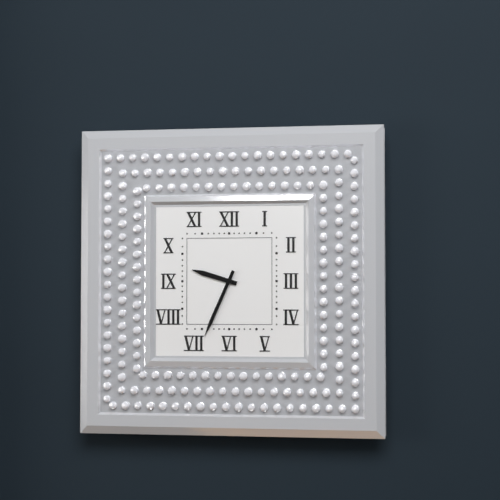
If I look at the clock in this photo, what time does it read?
9:34
